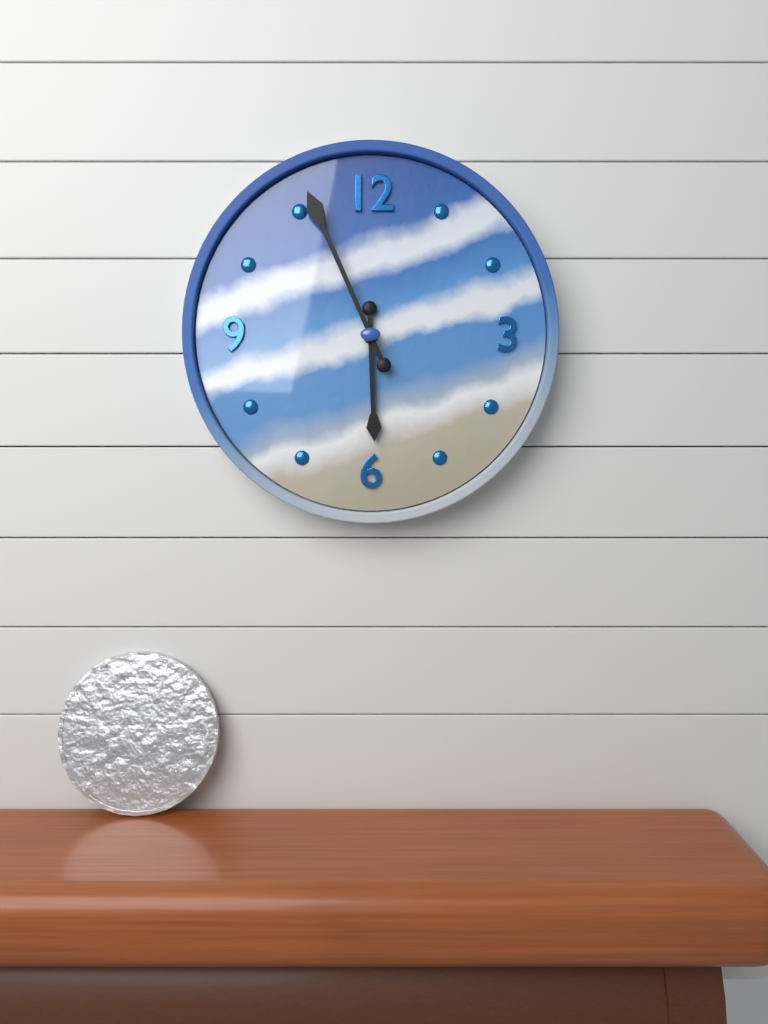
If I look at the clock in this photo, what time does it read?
5:56
